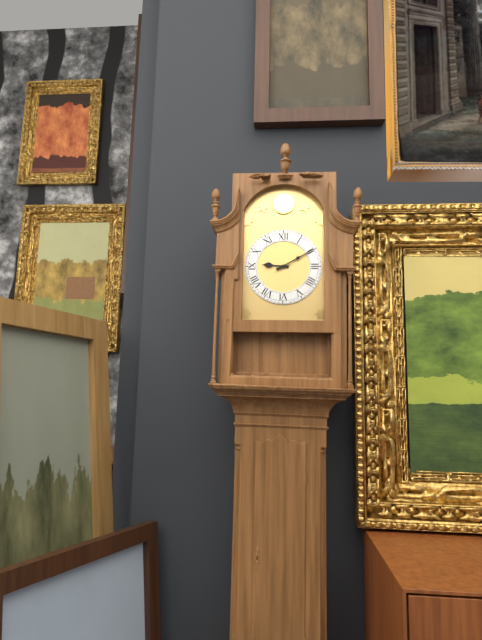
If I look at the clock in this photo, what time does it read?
9:10
